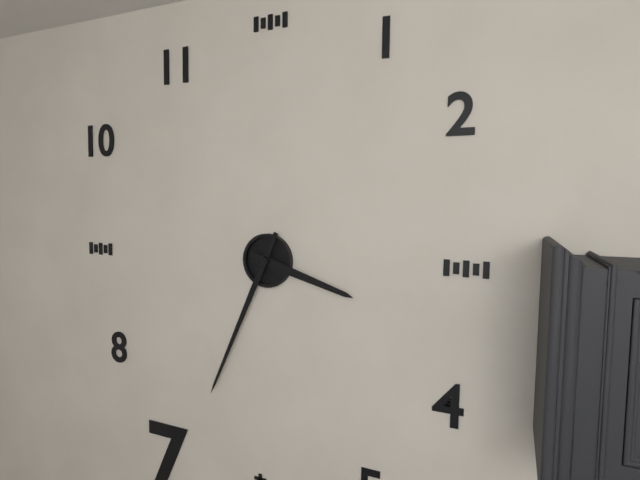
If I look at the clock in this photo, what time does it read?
3:34
